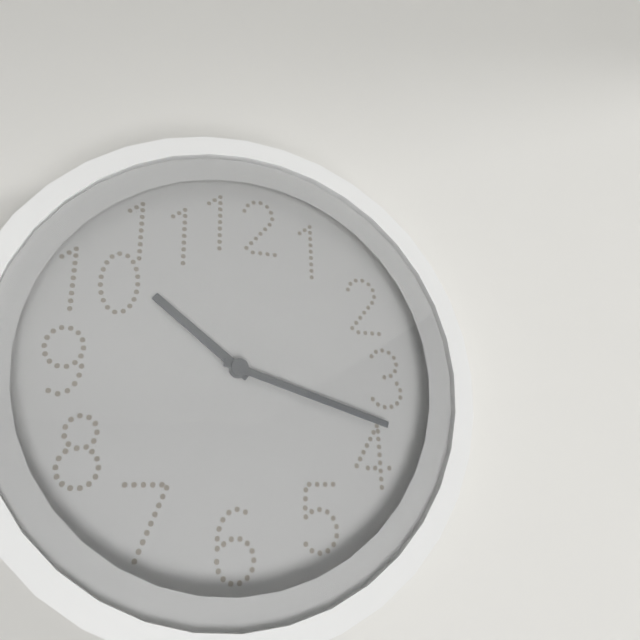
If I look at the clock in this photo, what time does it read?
10:18
